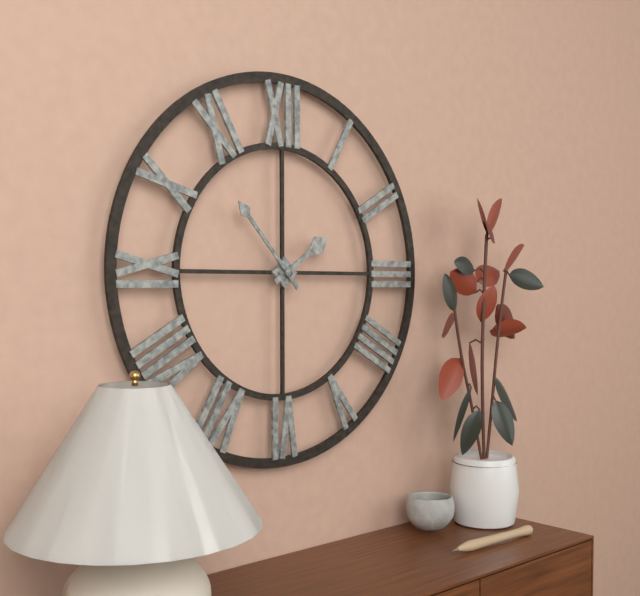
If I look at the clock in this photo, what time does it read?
1:53
